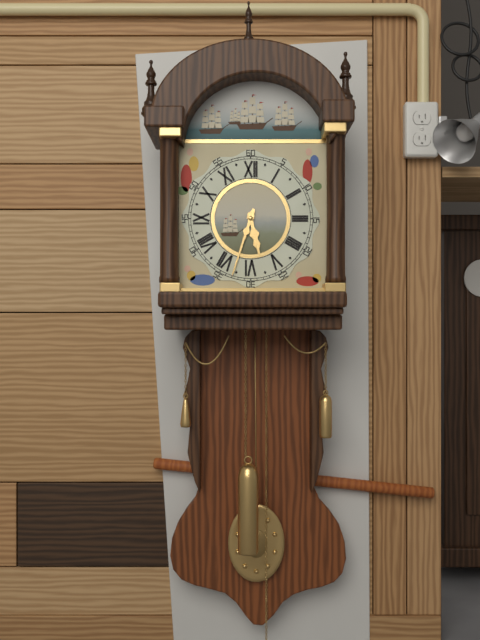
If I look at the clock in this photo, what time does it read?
5:33
